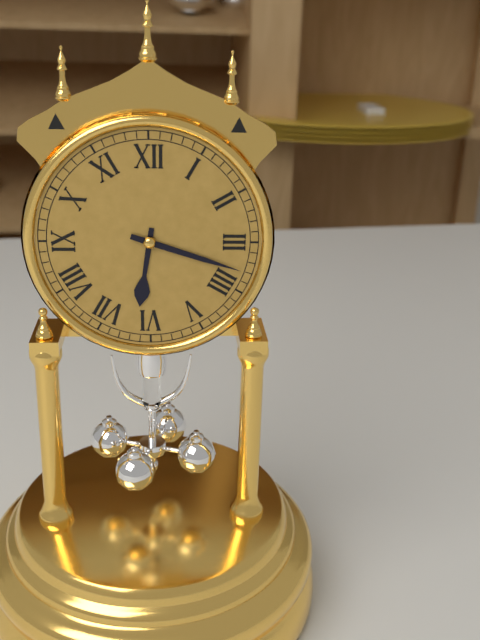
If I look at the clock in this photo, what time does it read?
6:18
